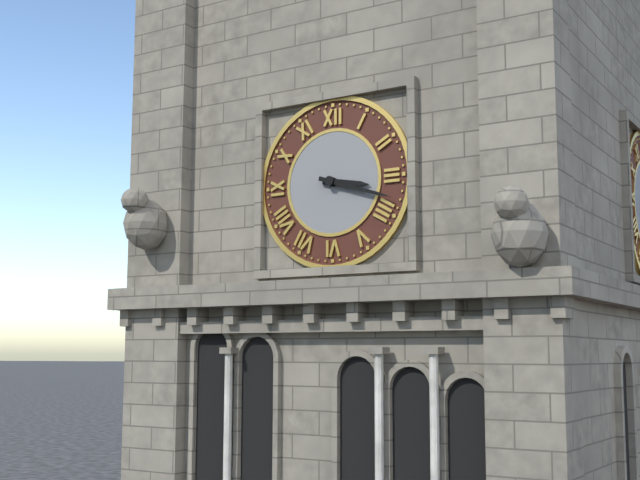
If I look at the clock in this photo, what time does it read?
3:18
